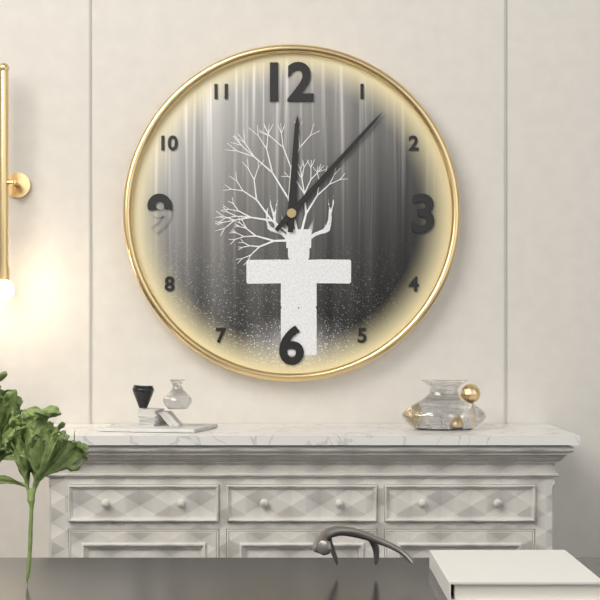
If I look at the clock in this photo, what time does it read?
12:07
